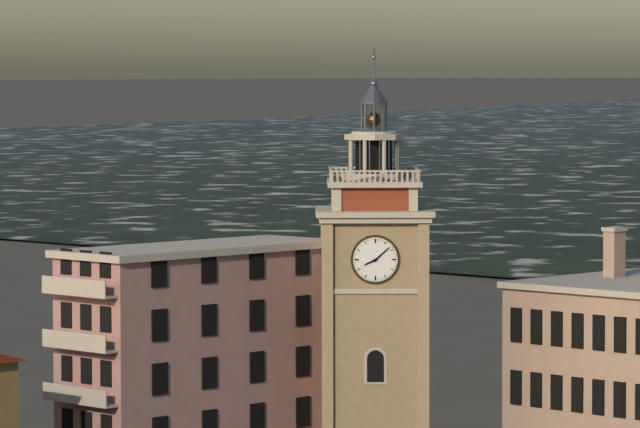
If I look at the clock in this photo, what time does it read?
8:08
